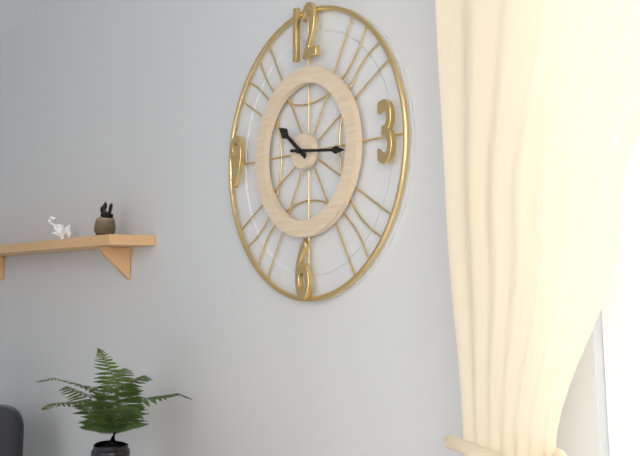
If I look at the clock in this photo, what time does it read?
10:16
